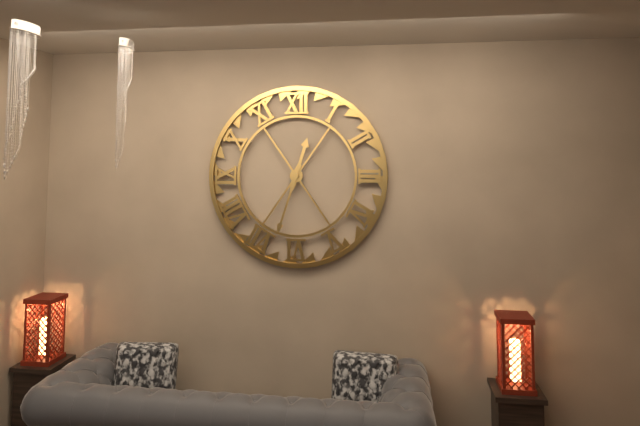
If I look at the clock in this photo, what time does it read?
12:33
